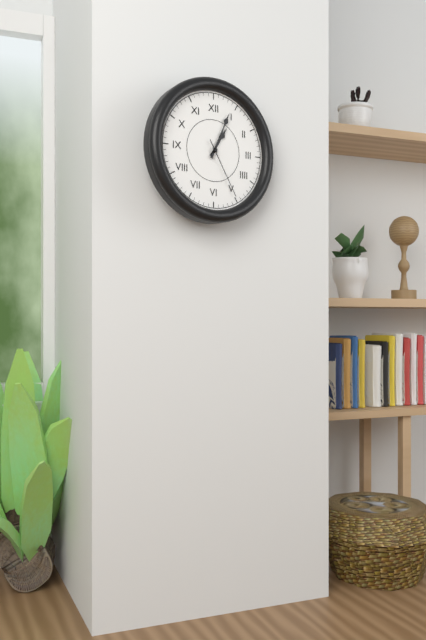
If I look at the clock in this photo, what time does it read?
1:04:25
